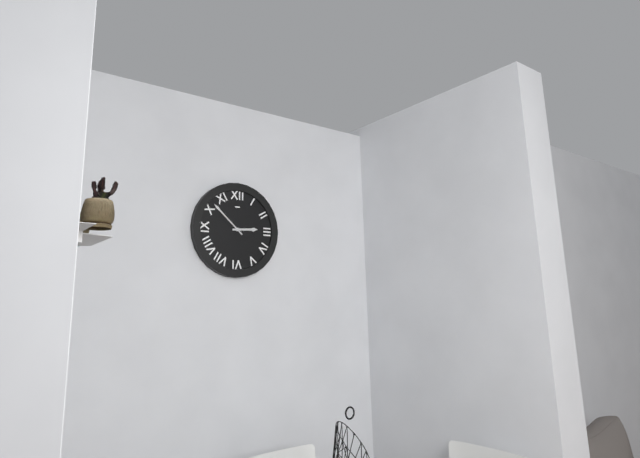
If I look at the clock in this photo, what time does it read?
2:52
